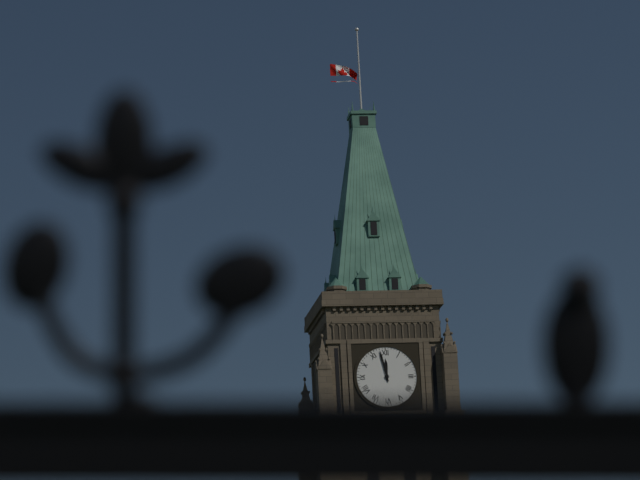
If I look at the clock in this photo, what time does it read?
11:58
